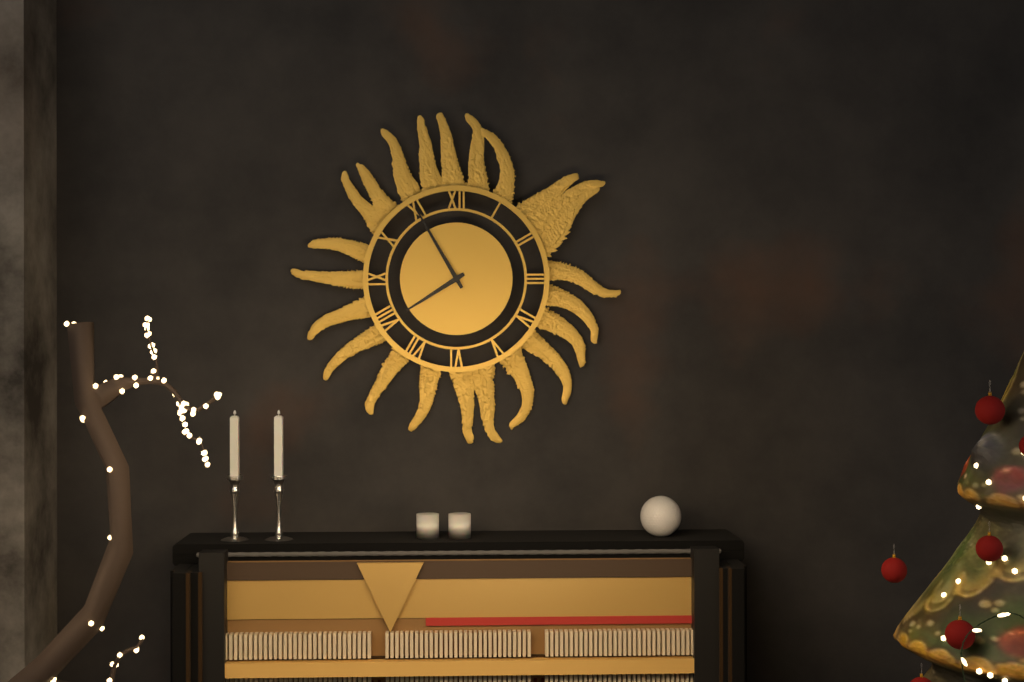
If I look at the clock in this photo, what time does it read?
7:55
